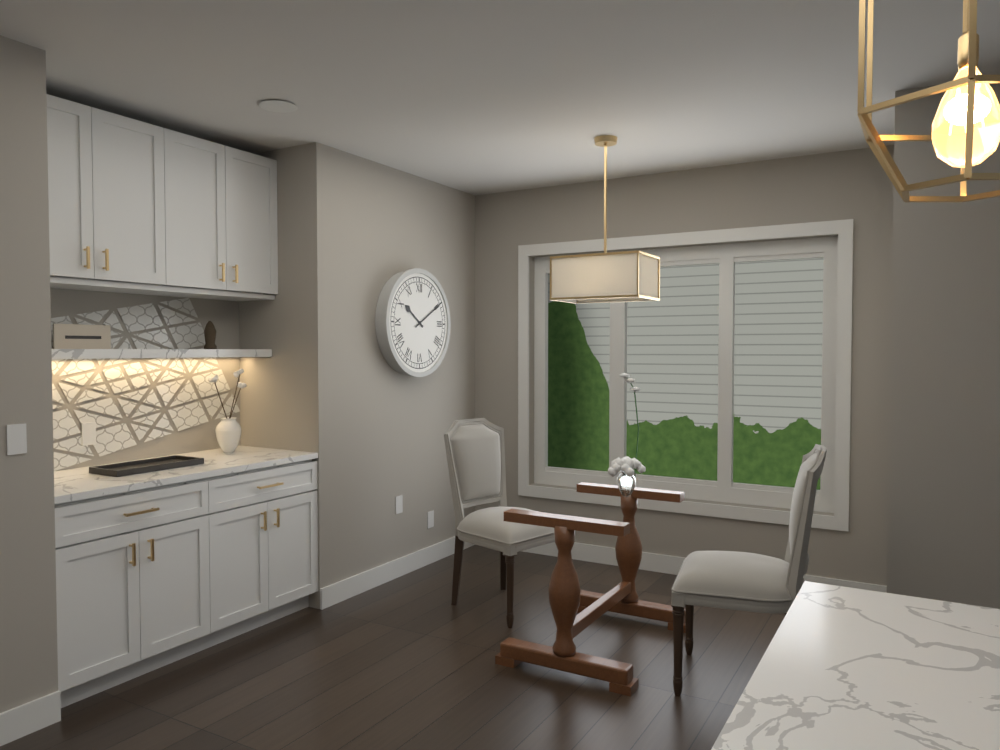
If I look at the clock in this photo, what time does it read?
10:10
